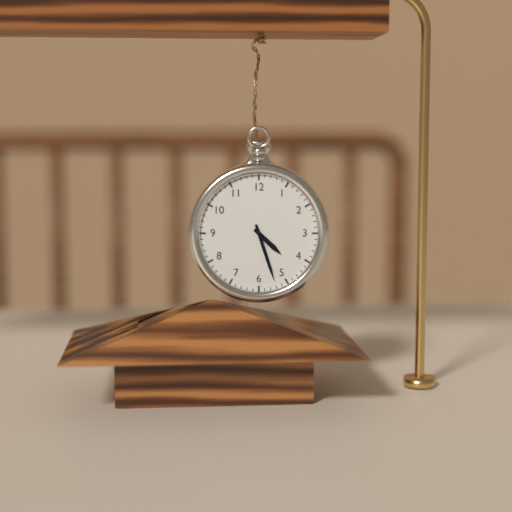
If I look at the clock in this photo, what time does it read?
4:27
